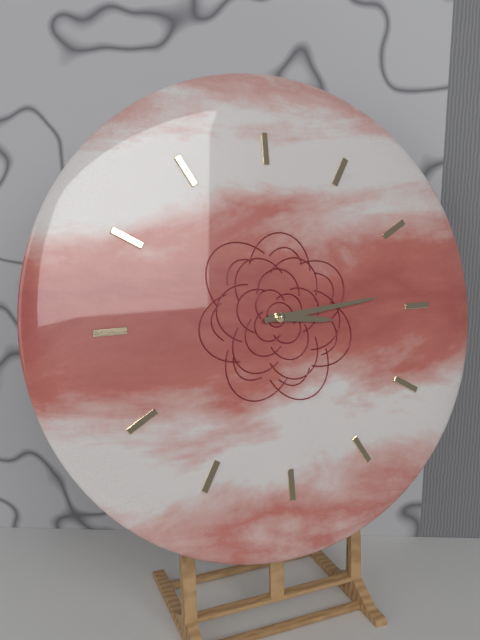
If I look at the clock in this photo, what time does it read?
3:14
